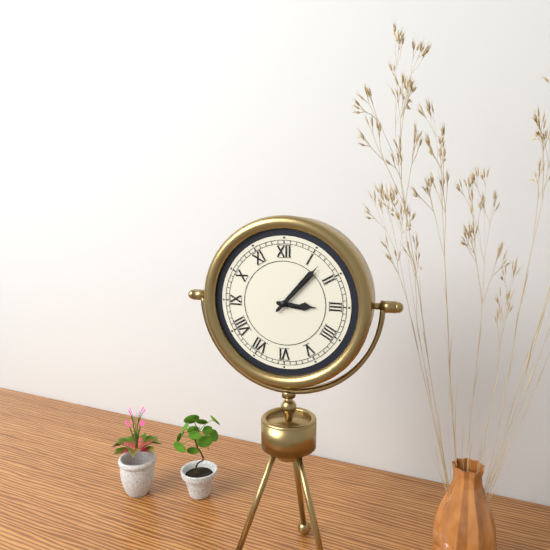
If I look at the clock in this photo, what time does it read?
3:07
